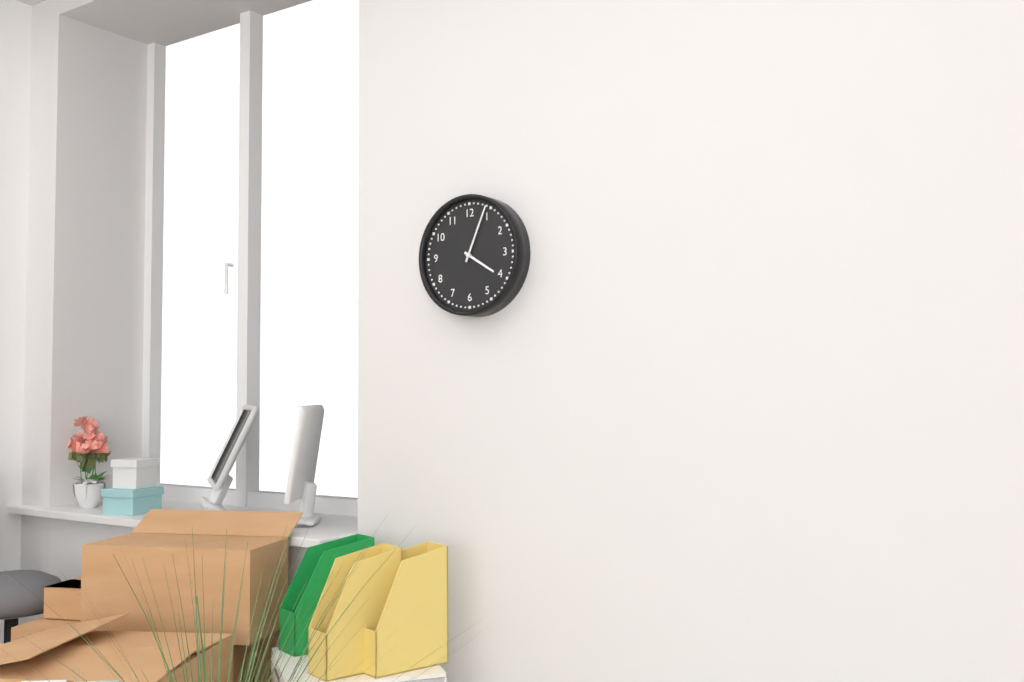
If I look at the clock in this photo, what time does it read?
4:04
